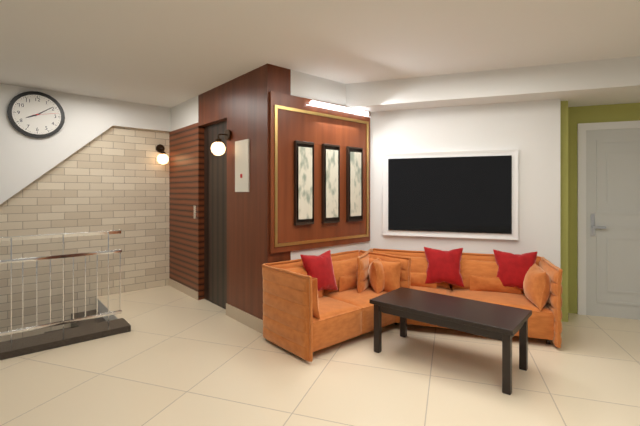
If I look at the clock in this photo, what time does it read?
8:09
